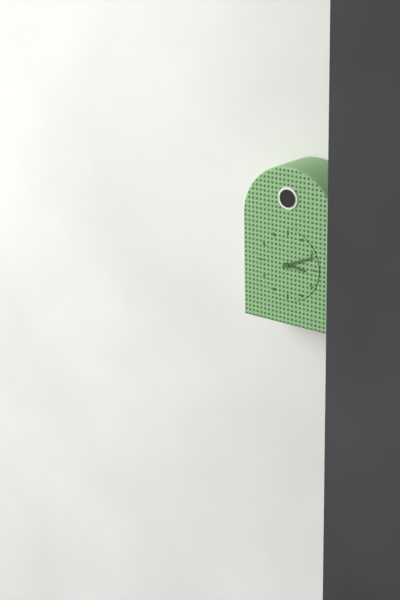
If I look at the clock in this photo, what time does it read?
3:11
